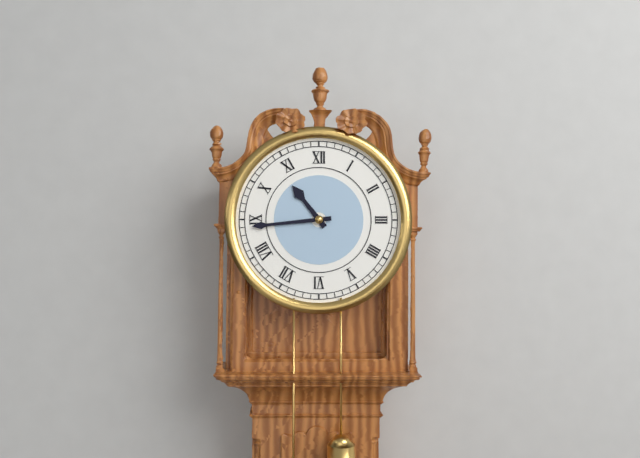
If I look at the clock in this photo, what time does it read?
10:44
